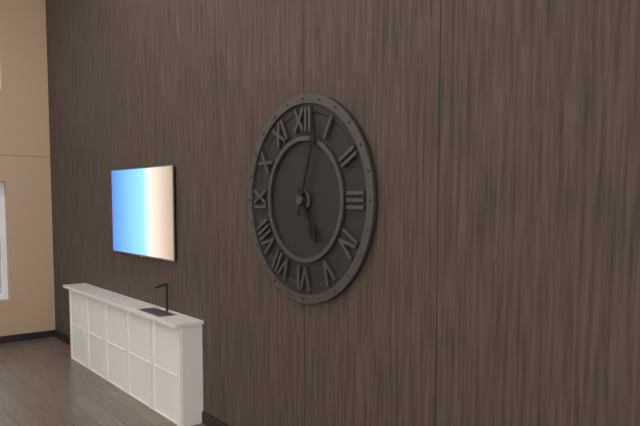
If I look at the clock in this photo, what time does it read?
5:03
